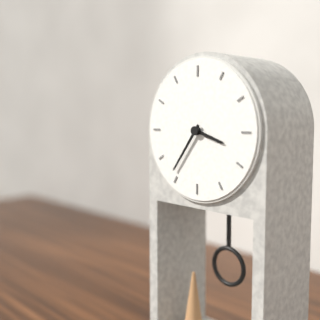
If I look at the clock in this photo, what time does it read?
3:36
